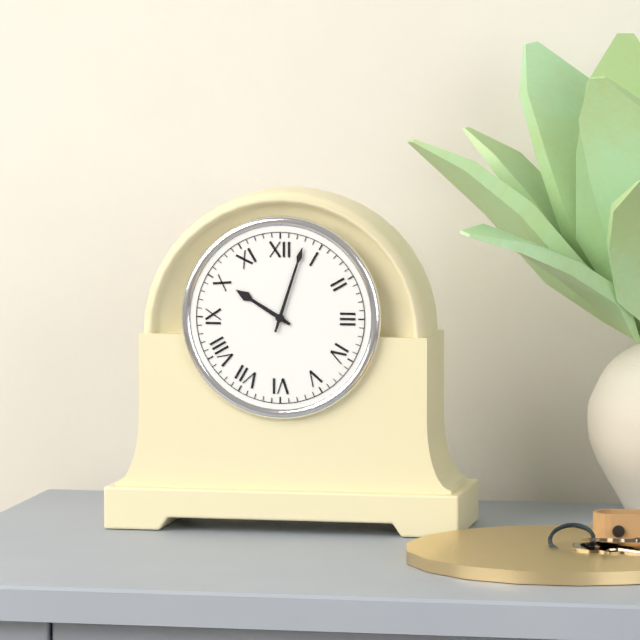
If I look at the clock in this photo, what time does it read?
10:03
